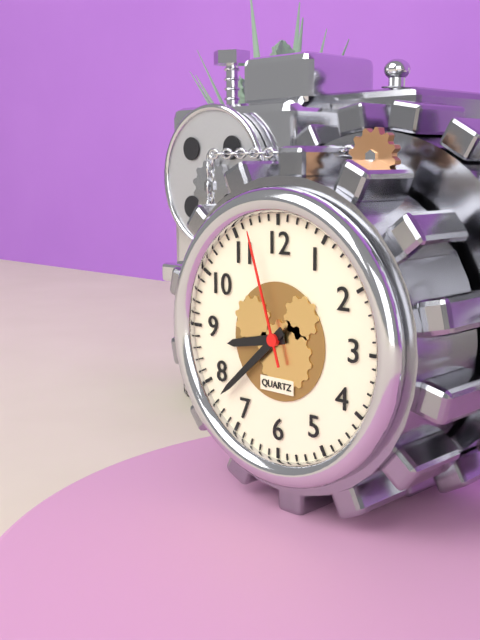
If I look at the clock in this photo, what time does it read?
8:38:57
